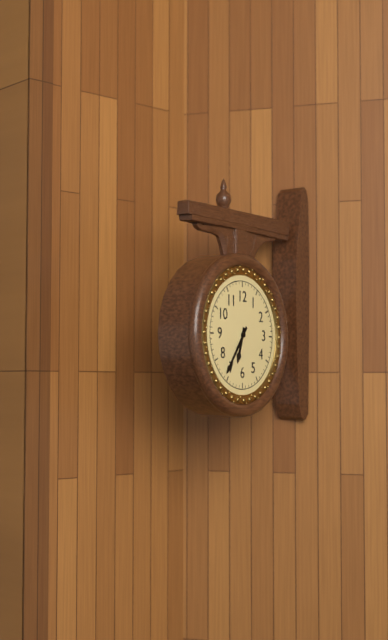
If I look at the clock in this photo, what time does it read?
6:36
